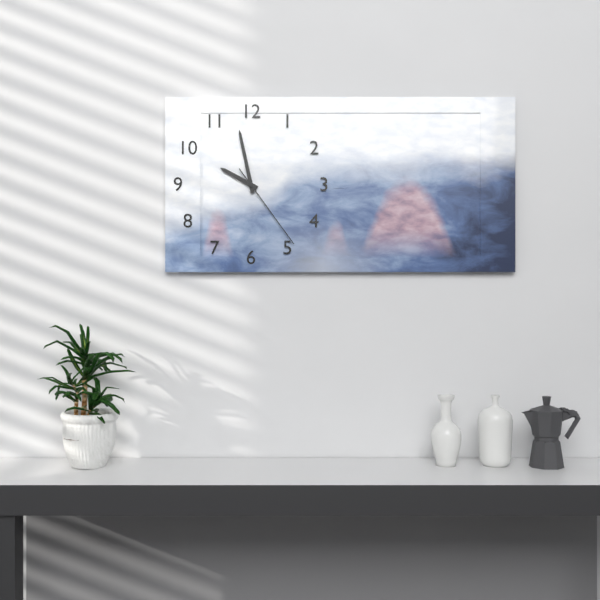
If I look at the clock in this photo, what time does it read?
9:58:24
